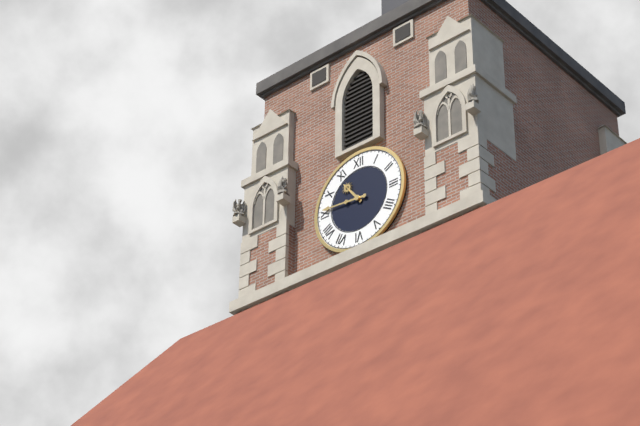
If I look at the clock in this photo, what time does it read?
10:46
